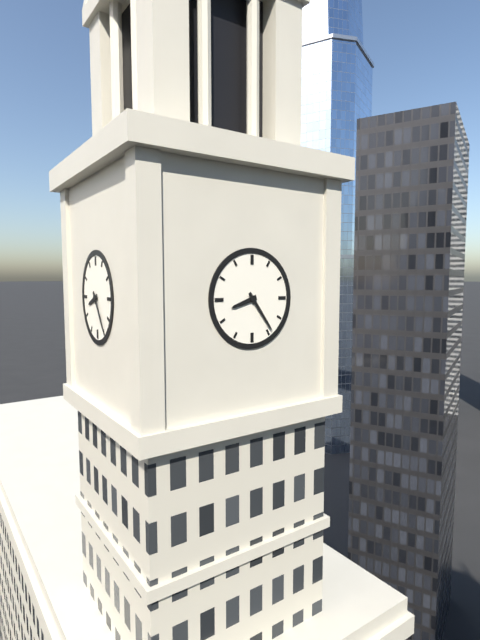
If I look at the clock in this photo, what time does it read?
8:24
